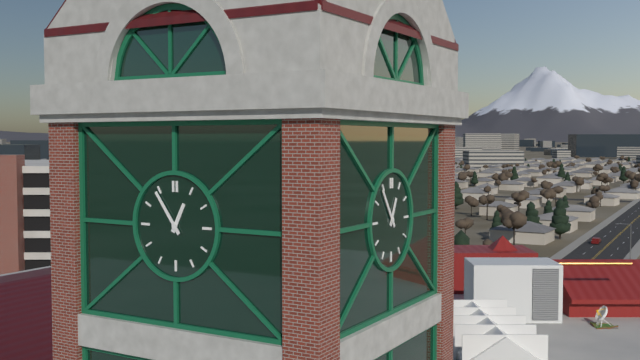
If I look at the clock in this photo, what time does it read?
12:54
